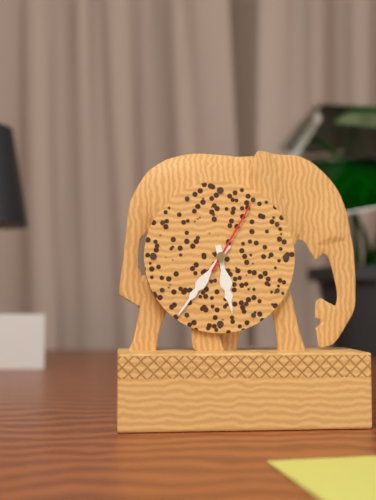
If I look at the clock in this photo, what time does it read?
5:36:05
